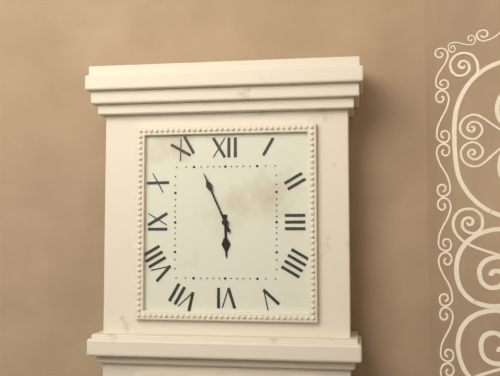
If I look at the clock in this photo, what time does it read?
5:56
